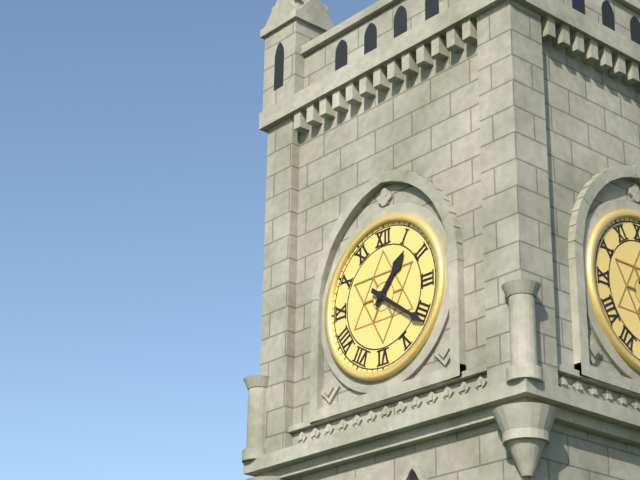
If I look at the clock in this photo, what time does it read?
1:21
